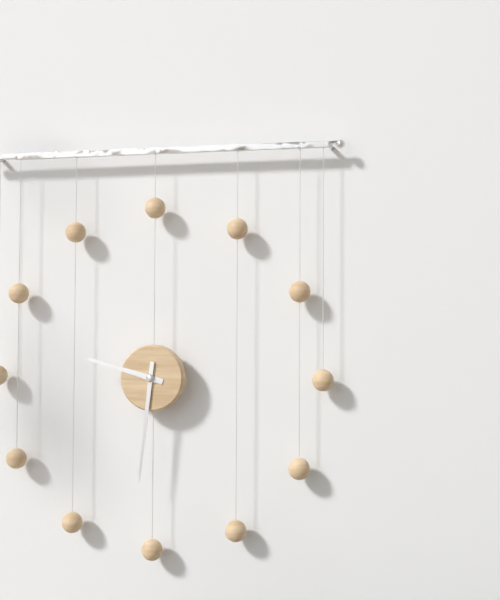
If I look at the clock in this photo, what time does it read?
9:31
